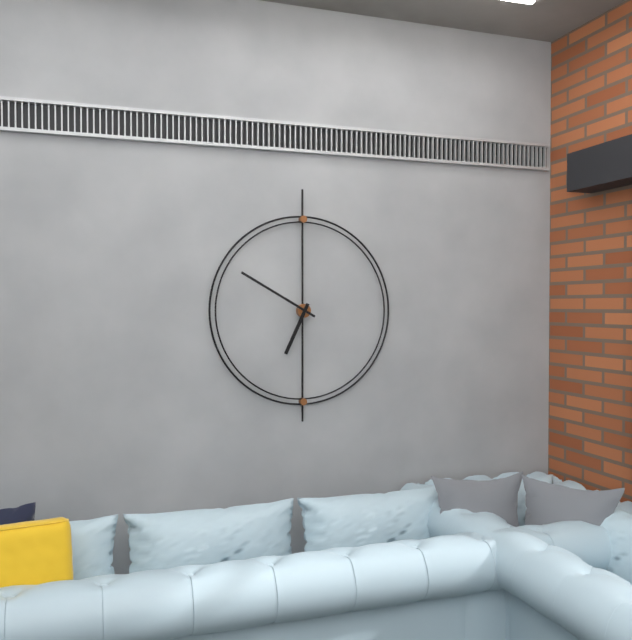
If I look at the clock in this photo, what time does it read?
6:50
